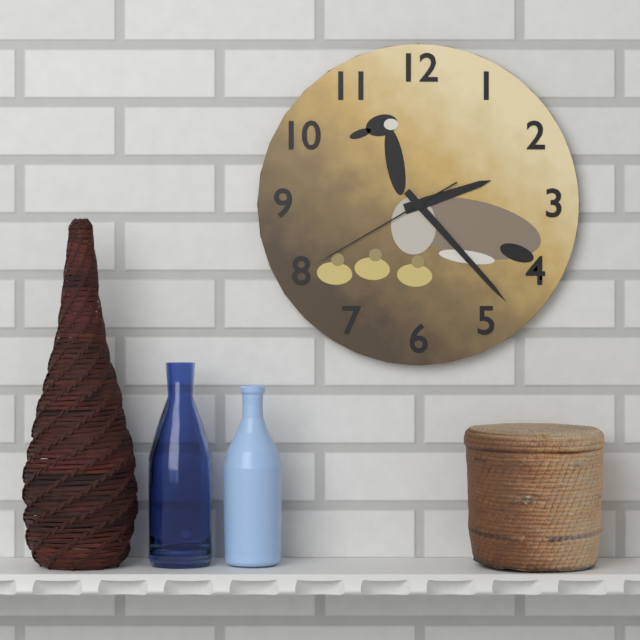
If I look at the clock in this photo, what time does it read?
2:23:40
